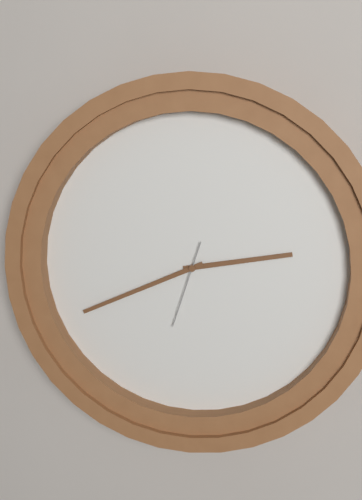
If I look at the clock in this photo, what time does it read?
2:41:33
